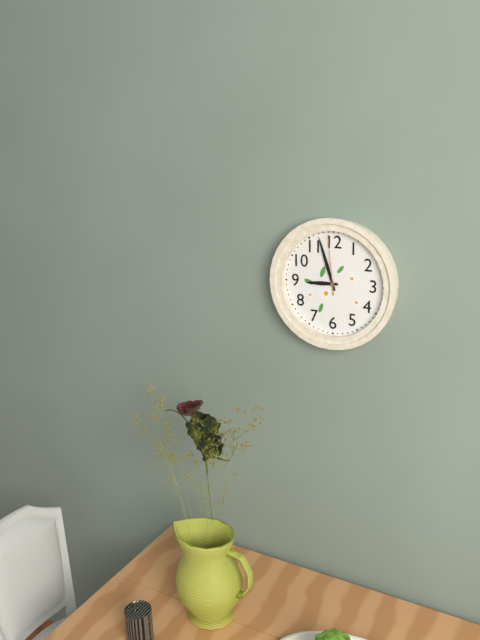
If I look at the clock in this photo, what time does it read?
8:57:59
